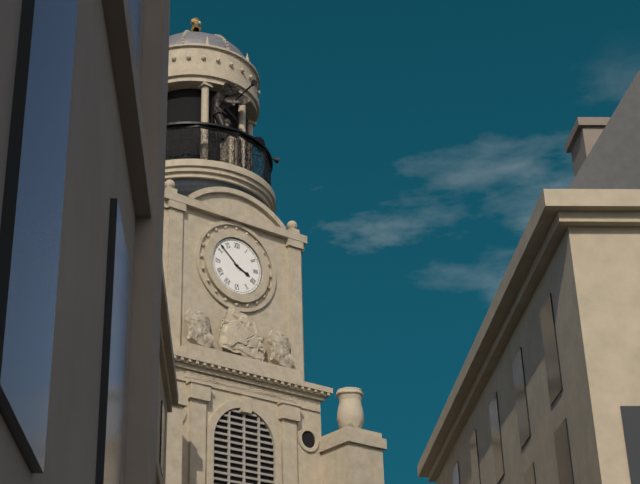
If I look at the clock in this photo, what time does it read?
3:52
